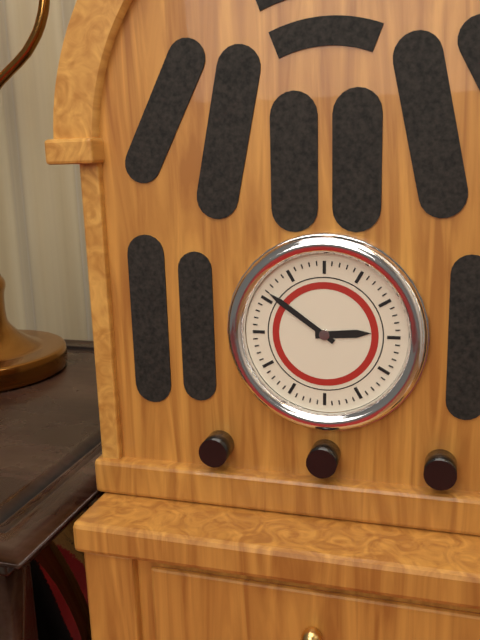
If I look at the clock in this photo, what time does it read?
2:51
